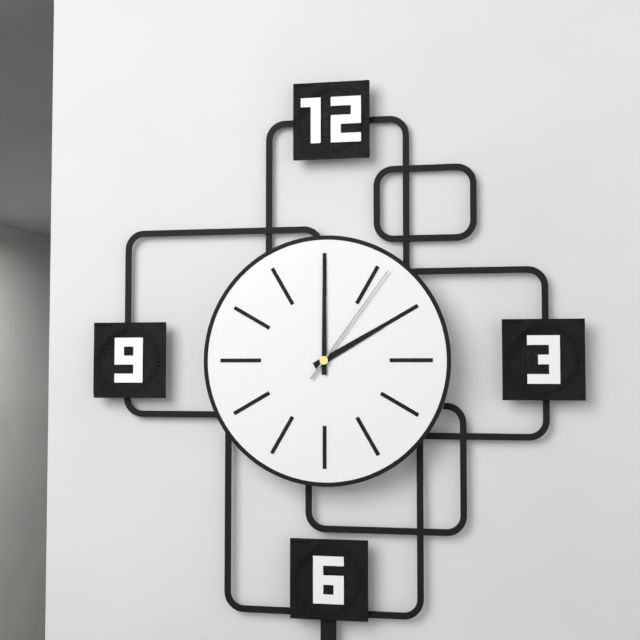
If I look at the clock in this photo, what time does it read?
2:00:06
